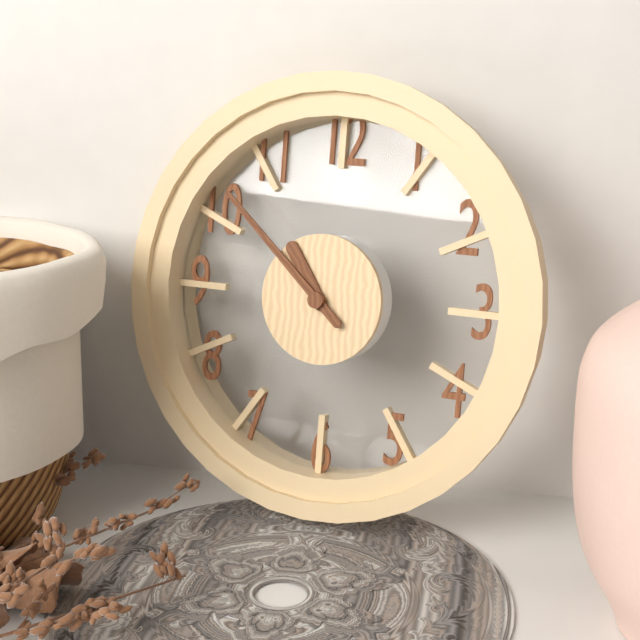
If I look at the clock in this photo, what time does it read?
10:52
